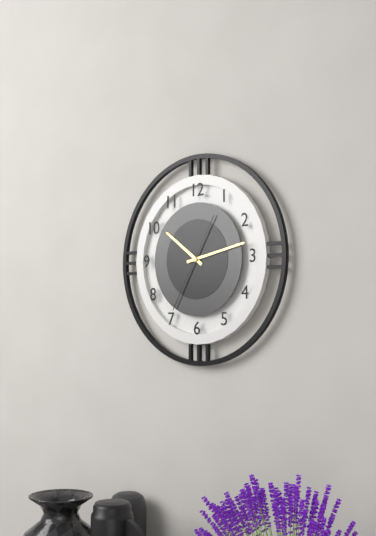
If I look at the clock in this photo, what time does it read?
10:13:35
